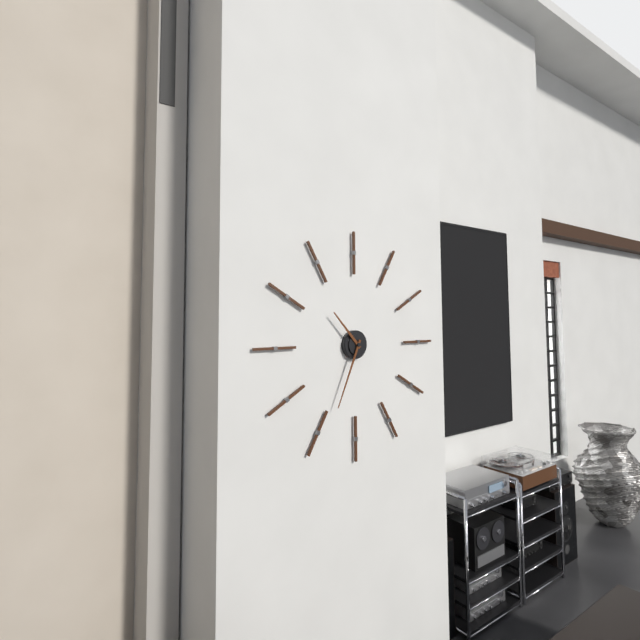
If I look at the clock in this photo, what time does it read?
10:34
